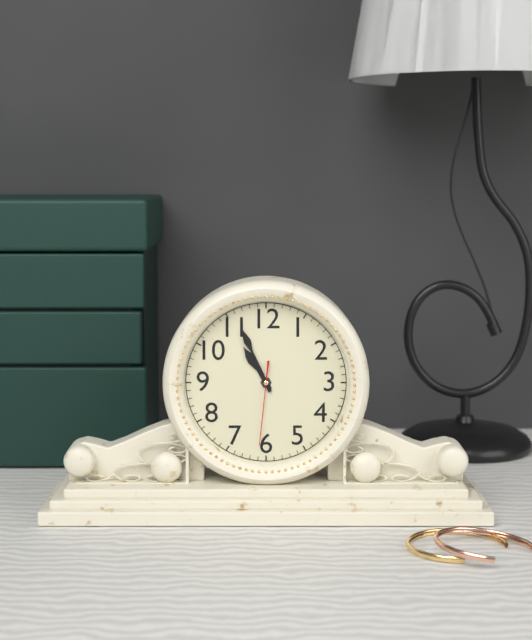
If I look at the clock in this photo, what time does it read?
10:56:31
